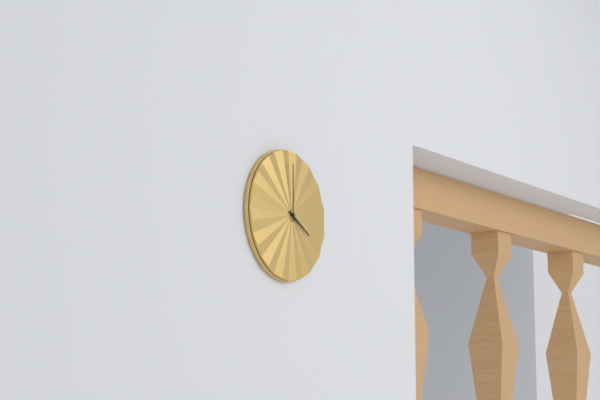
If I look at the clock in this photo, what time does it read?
4:00
